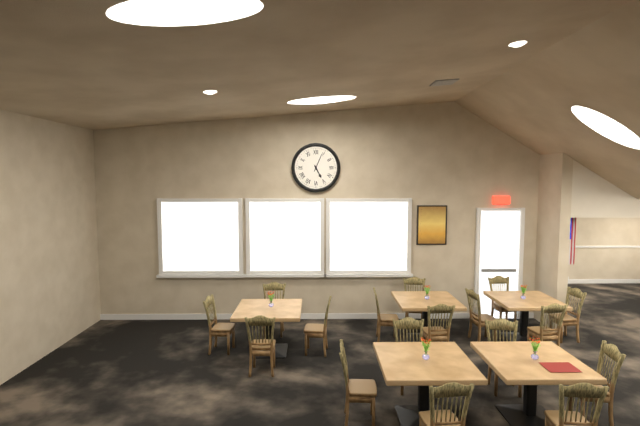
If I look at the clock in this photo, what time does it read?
5:04
